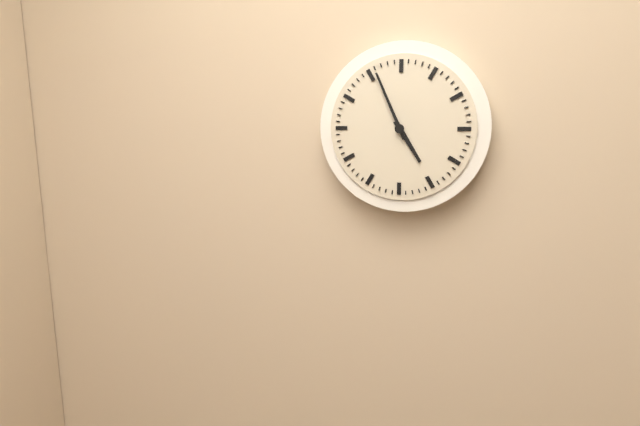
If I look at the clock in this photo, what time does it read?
4:56
